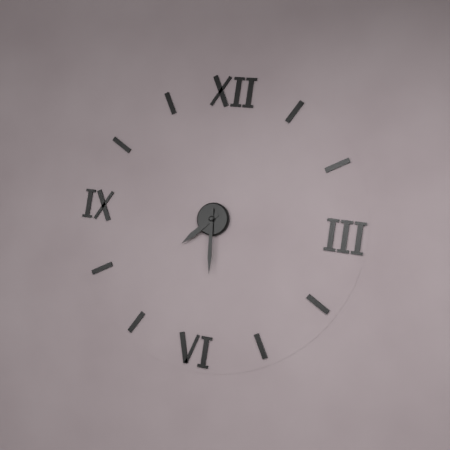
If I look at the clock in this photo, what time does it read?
7:29
